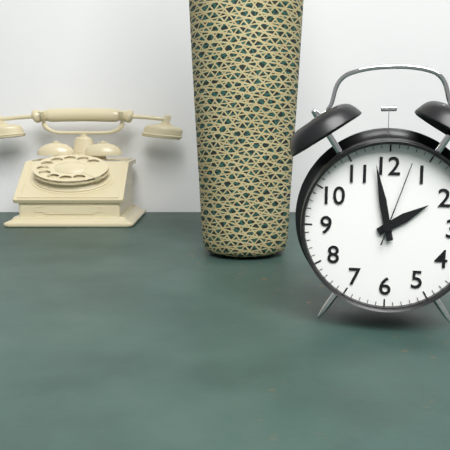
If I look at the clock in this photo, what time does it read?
1:58:03
